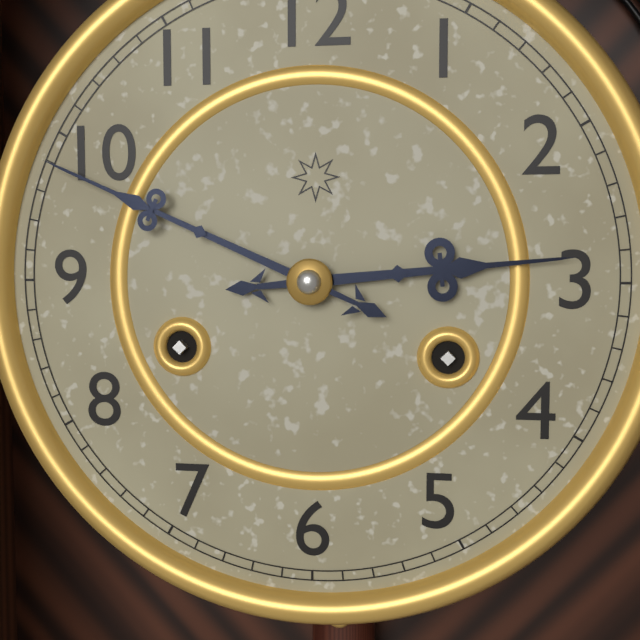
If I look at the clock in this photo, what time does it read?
2:49
